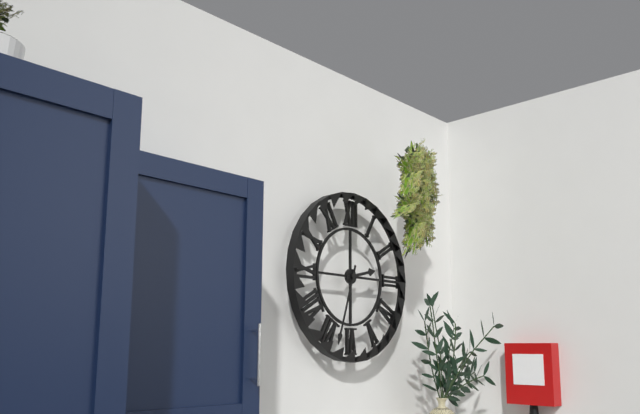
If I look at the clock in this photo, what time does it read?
2:33
